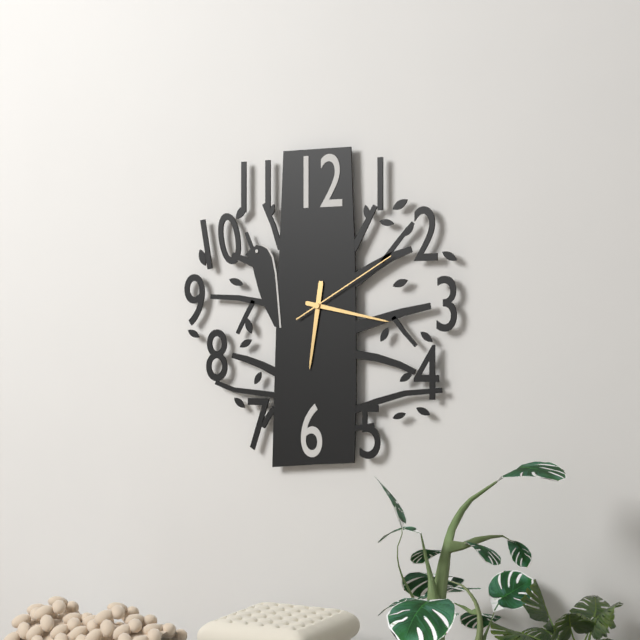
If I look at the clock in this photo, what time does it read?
6:17:10
